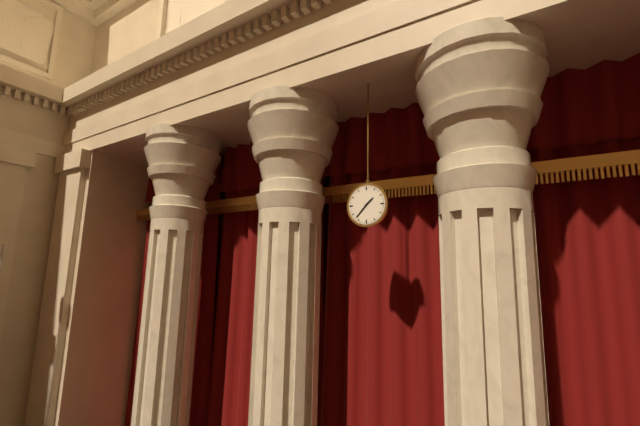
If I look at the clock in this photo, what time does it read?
1:37
